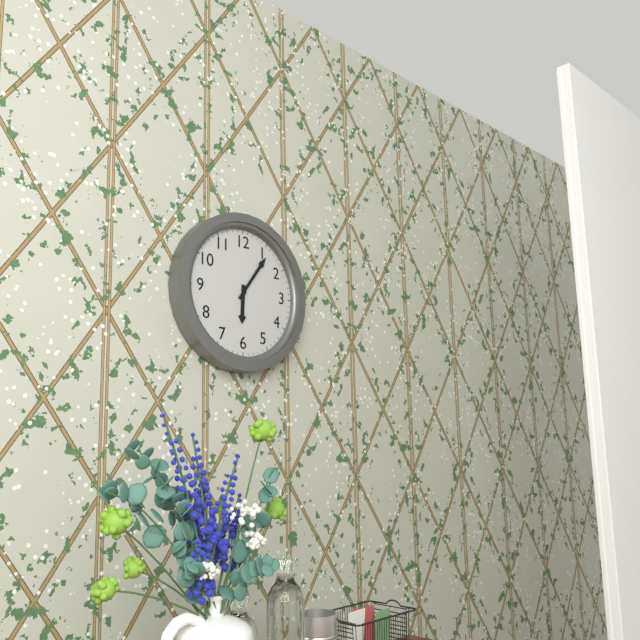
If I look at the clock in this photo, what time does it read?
6:06
